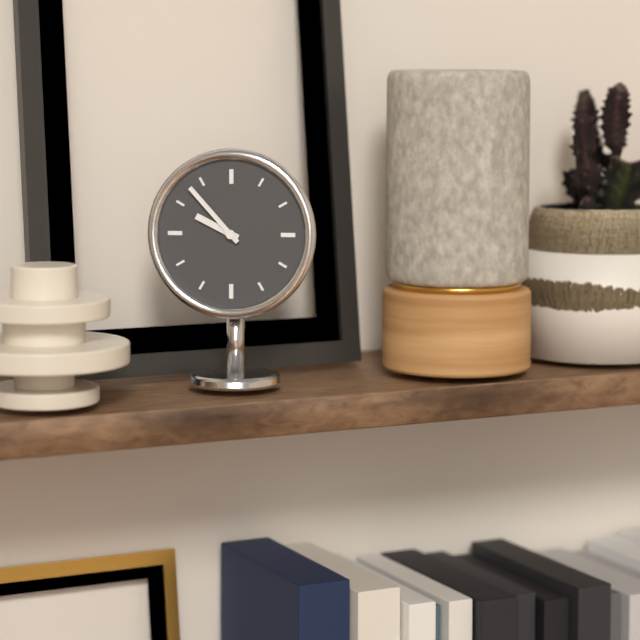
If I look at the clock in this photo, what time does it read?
9:53
